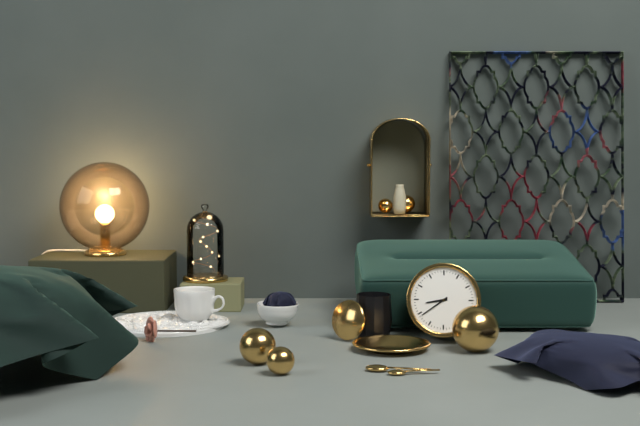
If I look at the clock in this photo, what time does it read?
8:39
